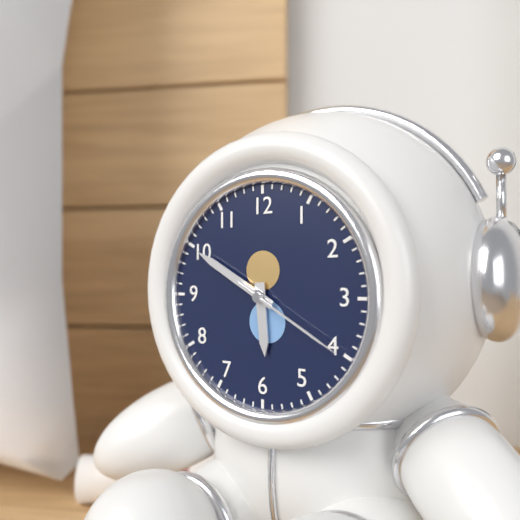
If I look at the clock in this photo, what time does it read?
5:50:20
